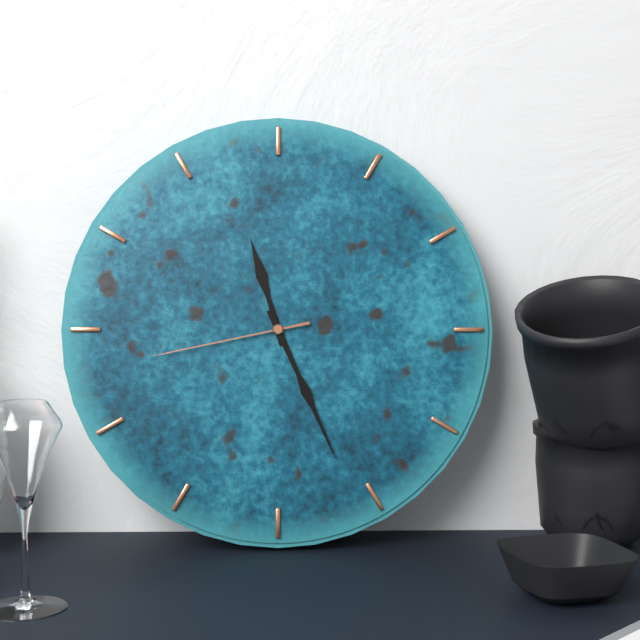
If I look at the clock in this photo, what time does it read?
11:26:43
